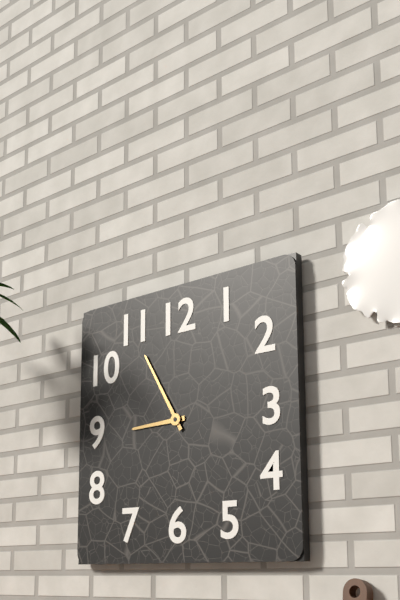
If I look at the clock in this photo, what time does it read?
8:55
